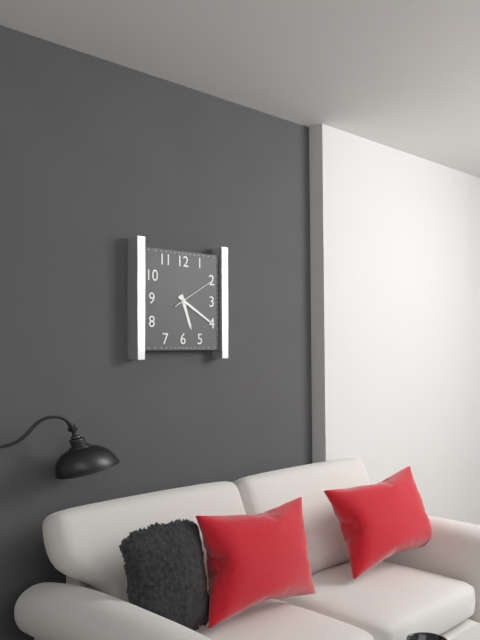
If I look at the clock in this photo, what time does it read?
5:20
